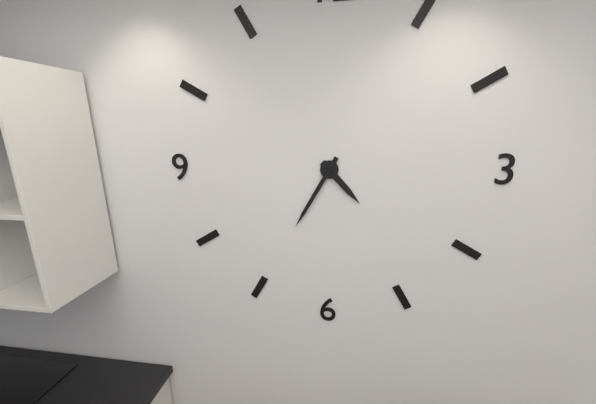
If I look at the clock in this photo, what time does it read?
4:35
